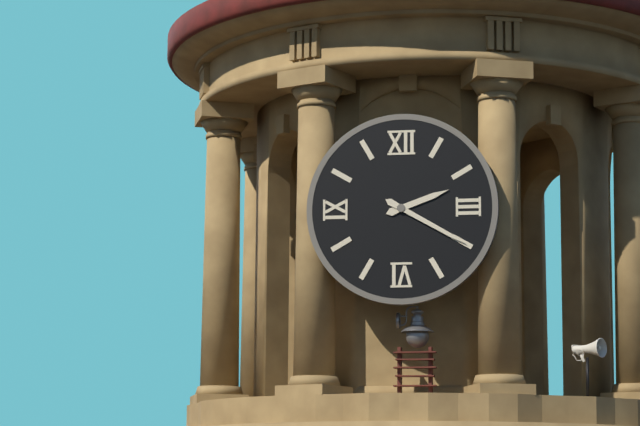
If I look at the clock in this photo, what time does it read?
2:20
